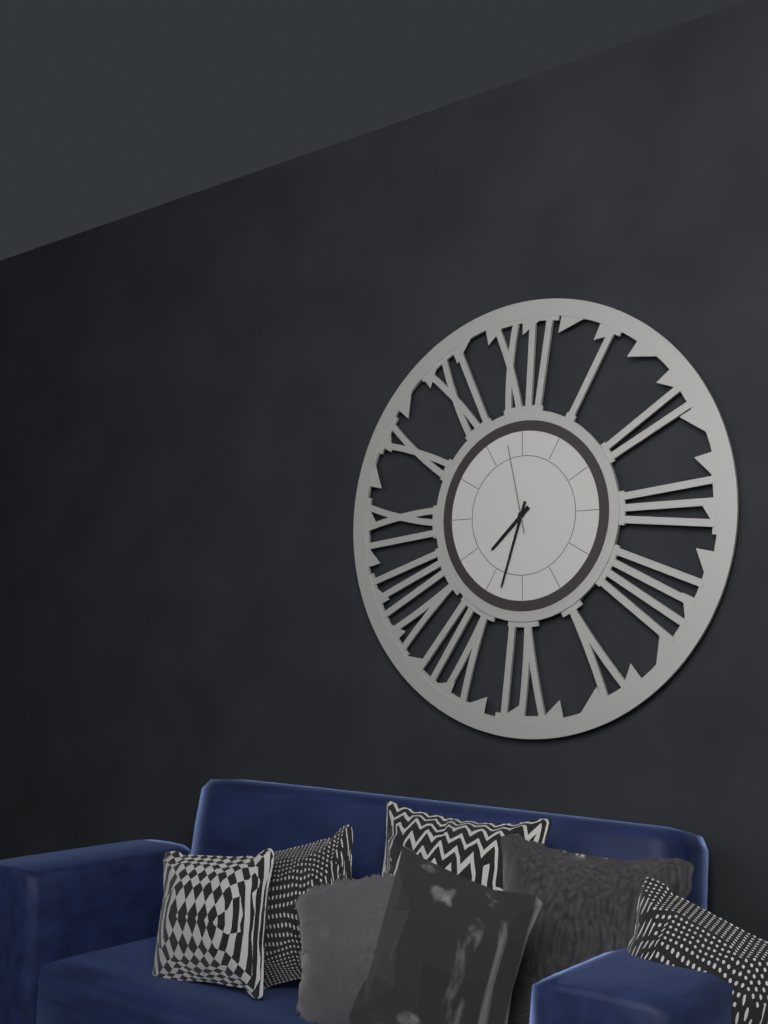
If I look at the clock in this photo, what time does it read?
7:33:58
